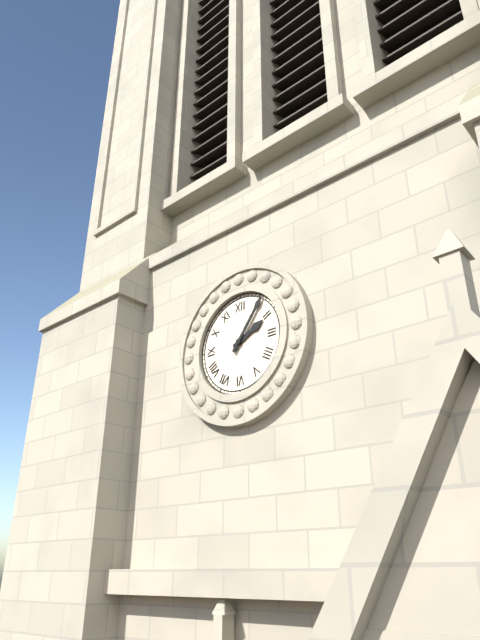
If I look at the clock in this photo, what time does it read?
2:06
